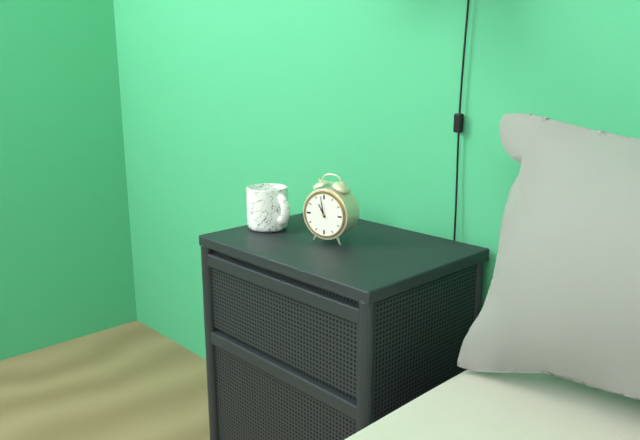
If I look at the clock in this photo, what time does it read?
10:58
